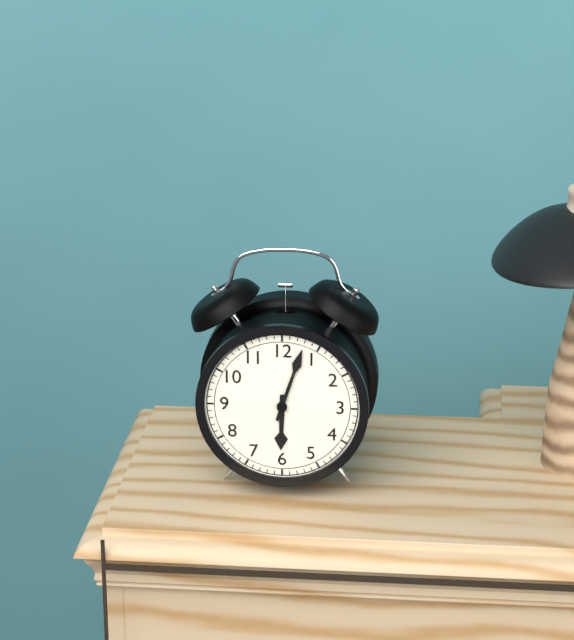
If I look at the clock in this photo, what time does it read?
6:03
